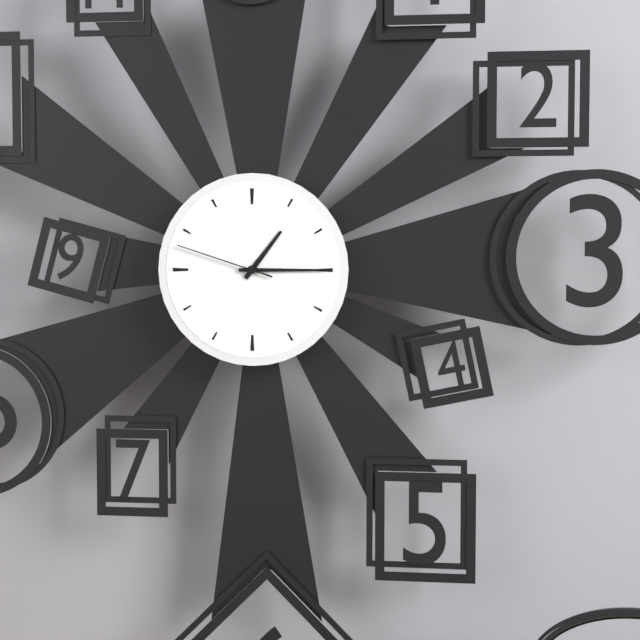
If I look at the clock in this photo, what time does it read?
1:15:48
